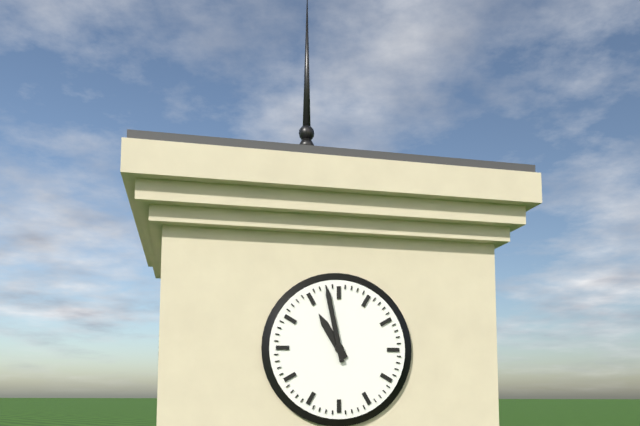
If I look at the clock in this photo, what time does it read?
10:58
